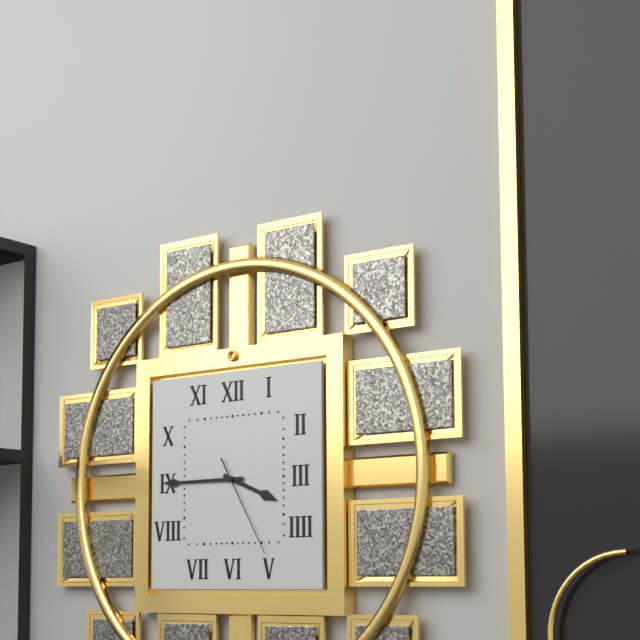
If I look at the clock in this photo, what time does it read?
3:45:25
